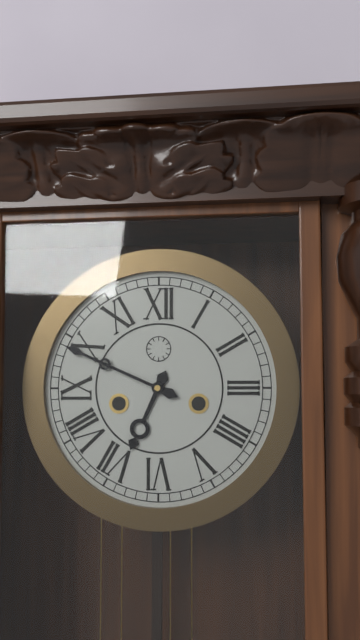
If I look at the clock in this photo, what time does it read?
6:49
